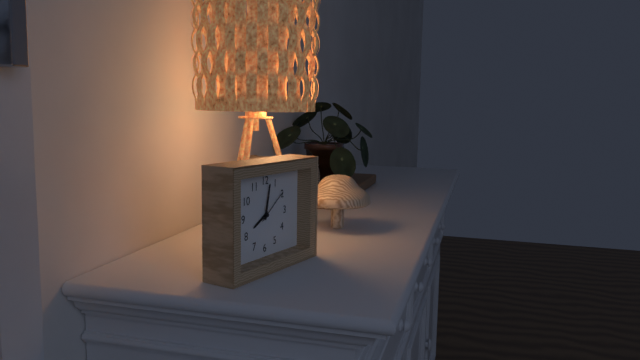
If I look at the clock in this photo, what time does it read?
8:02
